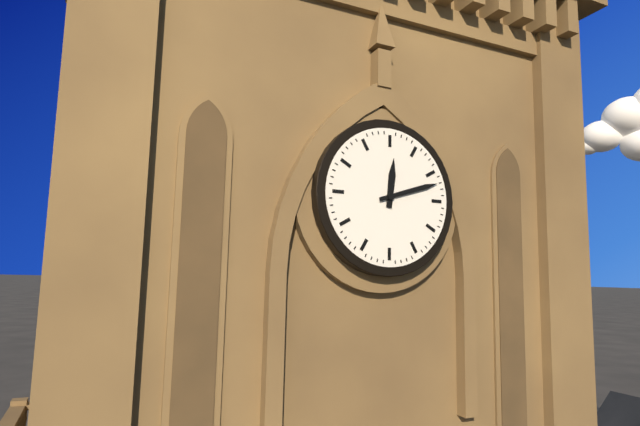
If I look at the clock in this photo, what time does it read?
12:12
